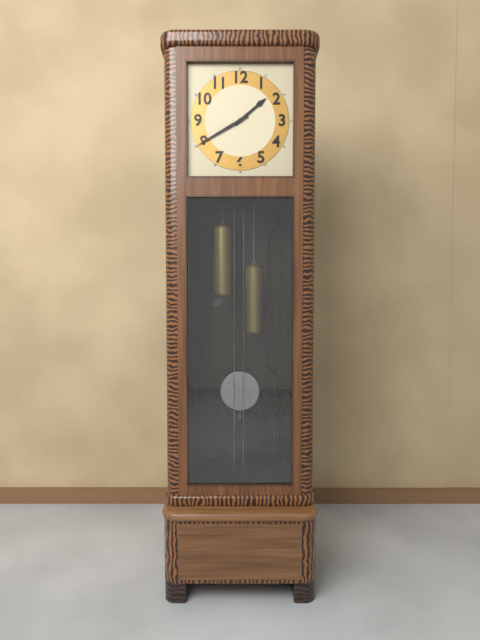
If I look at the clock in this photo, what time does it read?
1:40
